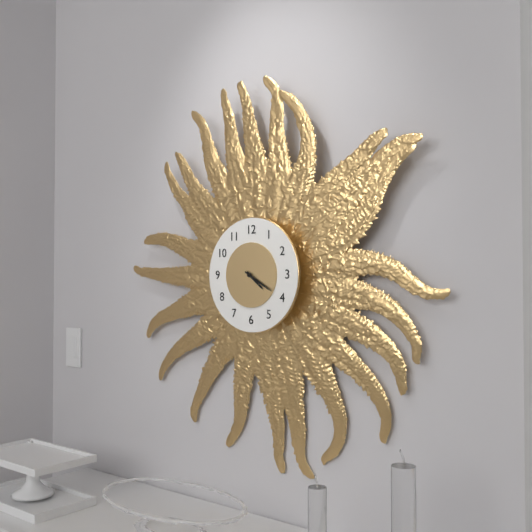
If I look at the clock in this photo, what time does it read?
4:20
